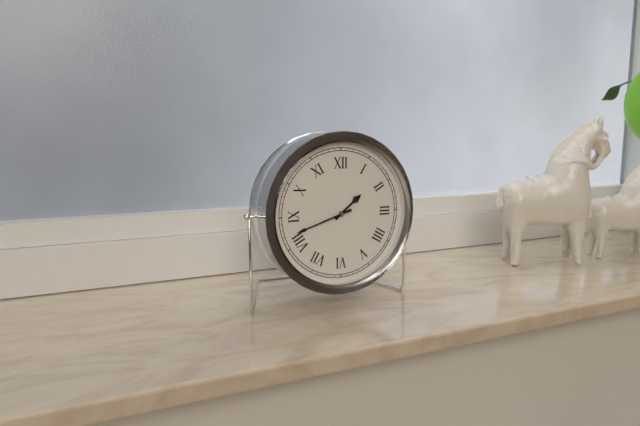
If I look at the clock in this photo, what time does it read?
1:42
